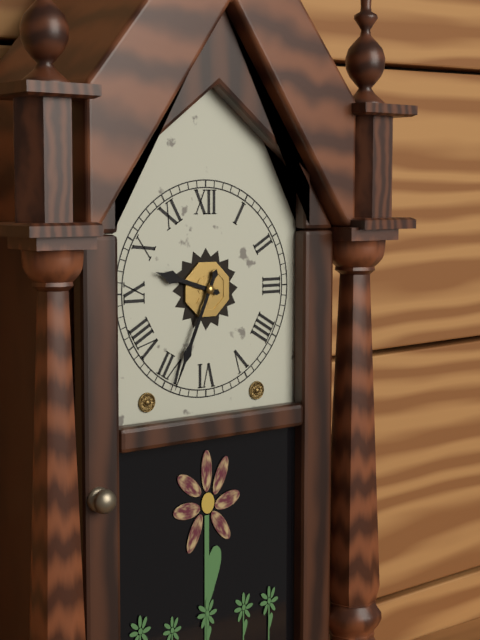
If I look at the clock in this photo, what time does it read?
9:34
